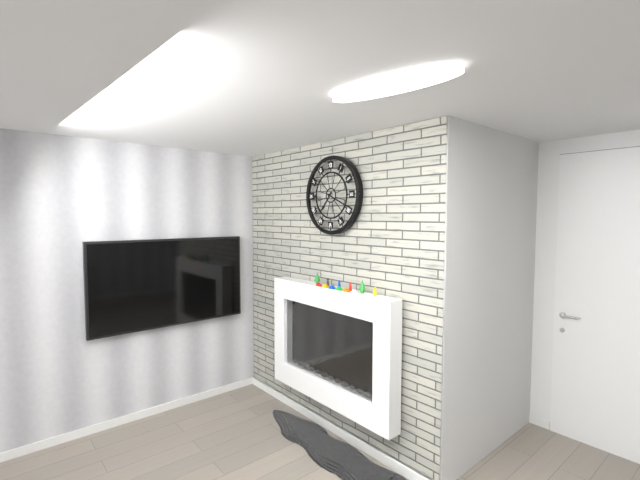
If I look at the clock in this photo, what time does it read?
7:19
